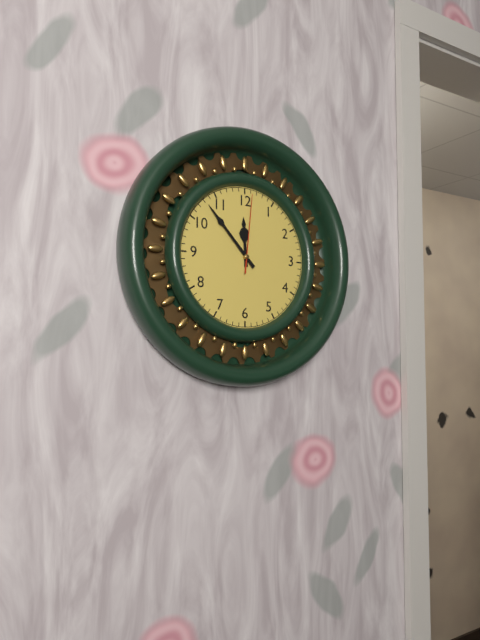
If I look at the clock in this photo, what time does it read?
11:53:01
